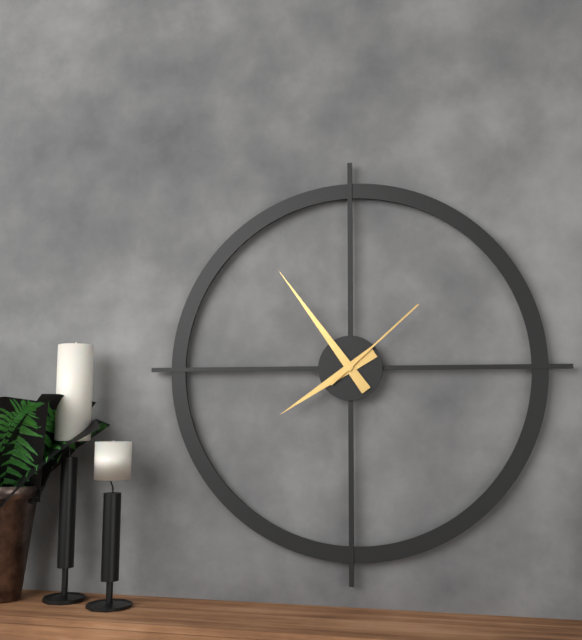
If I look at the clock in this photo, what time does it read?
7:54:08
